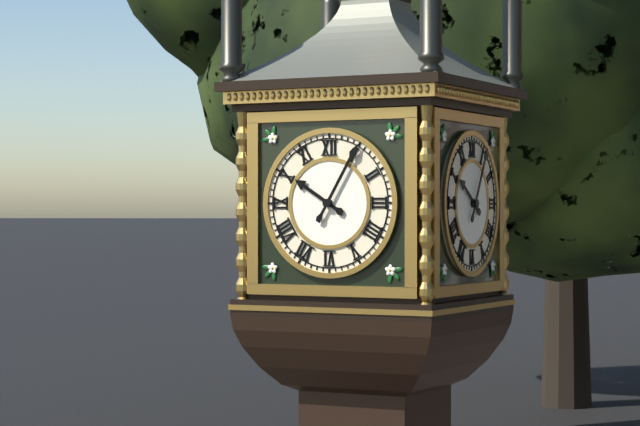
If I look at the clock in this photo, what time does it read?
10:05
